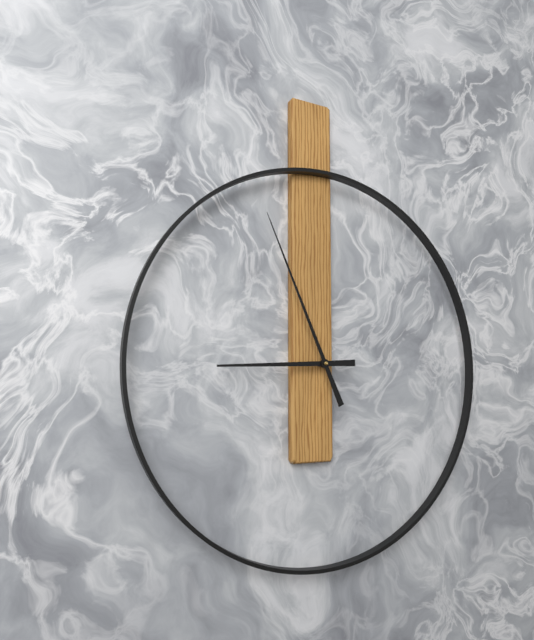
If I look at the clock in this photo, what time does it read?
8:56
